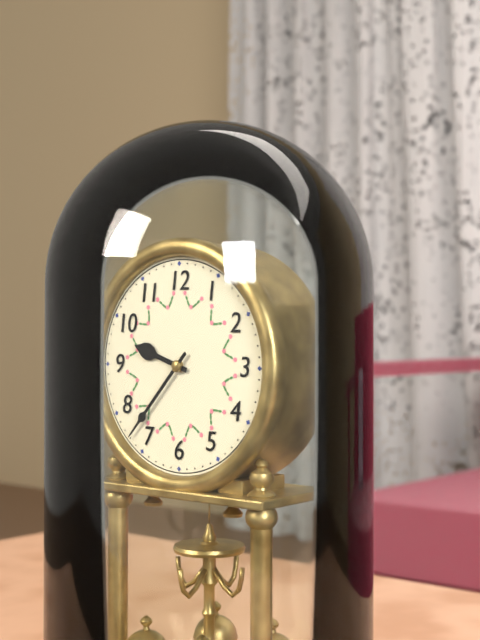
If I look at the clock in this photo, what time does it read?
9:37
